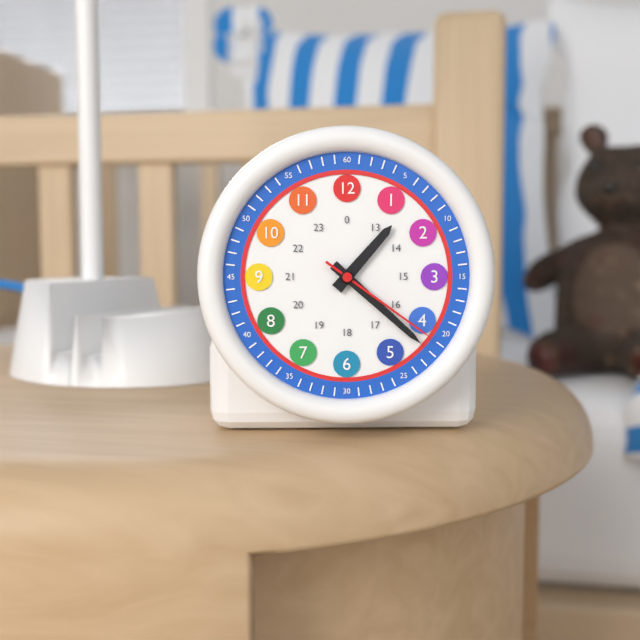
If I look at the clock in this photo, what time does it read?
1:22:21
